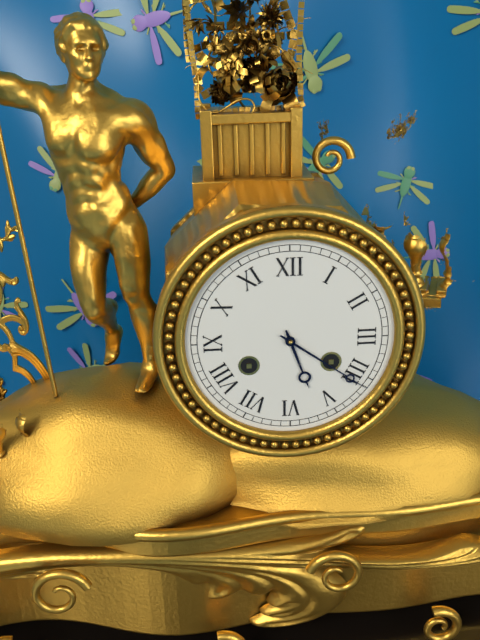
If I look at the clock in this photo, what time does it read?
5:21
